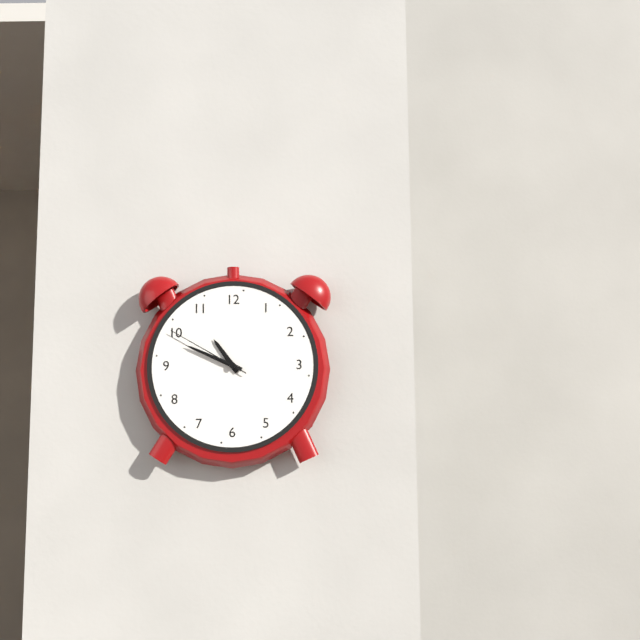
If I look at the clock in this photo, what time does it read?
10:49:50
